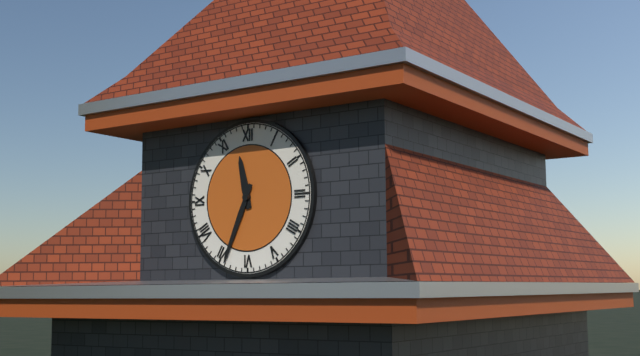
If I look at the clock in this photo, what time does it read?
11:34
